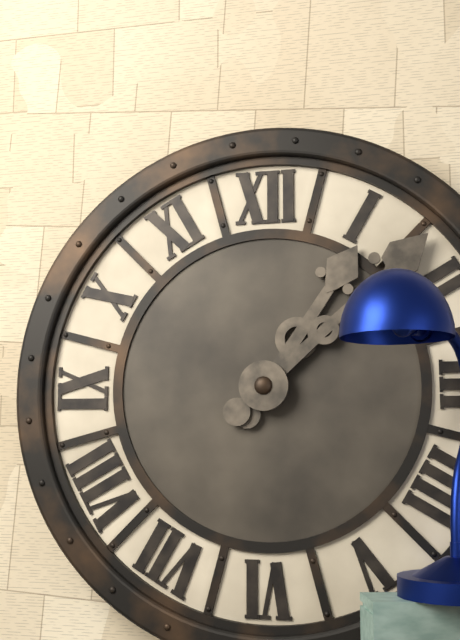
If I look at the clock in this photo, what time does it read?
1:08
